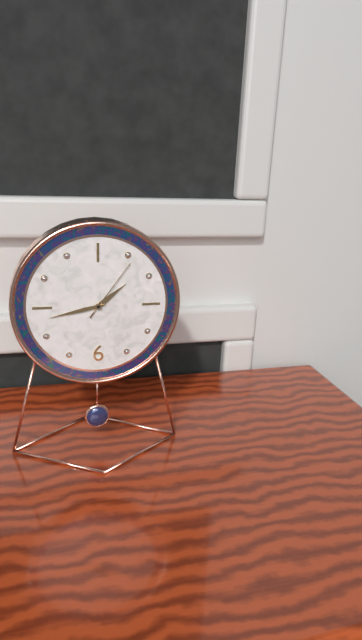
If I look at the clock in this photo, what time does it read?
1:43:06
